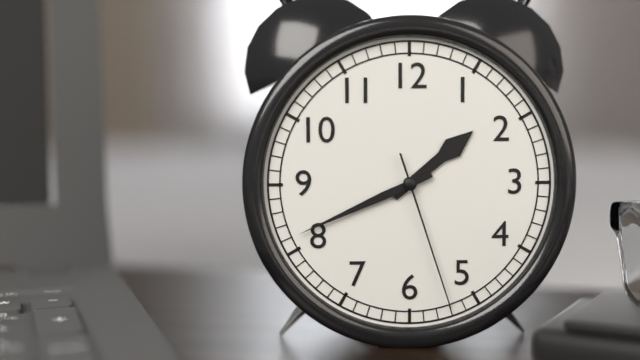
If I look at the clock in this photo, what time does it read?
1:41:27
